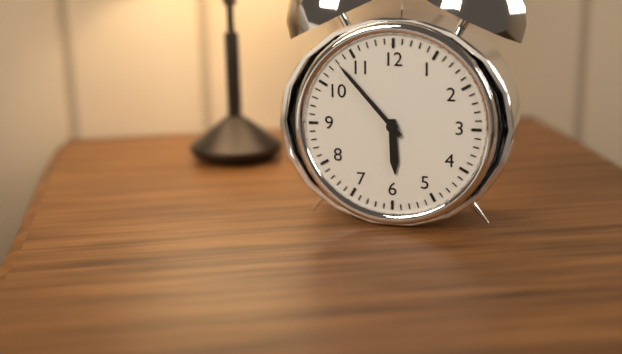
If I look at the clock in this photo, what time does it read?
5:53
